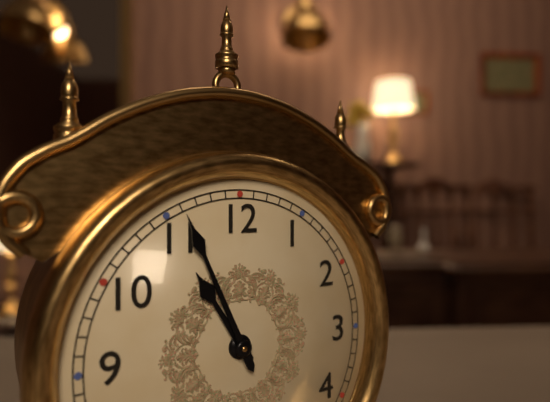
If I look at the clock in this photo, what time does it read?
10:56
